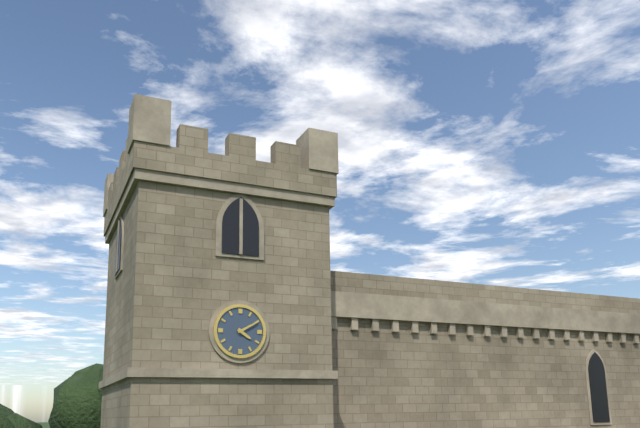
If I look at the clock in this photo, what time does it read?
4:10
